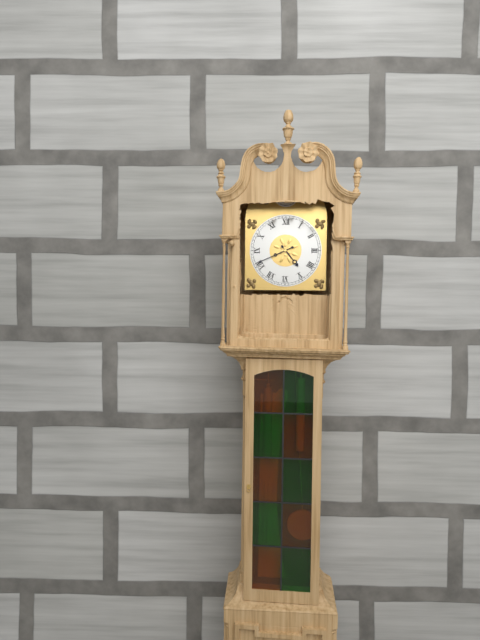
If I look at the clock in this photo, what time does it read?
4:41
